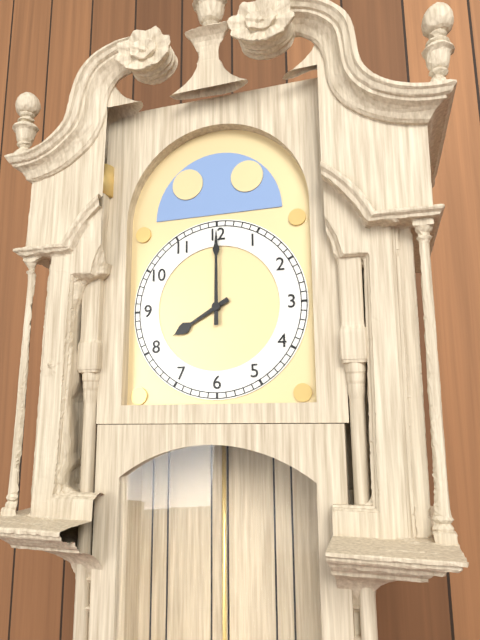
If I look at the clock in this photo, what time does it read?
8:00
